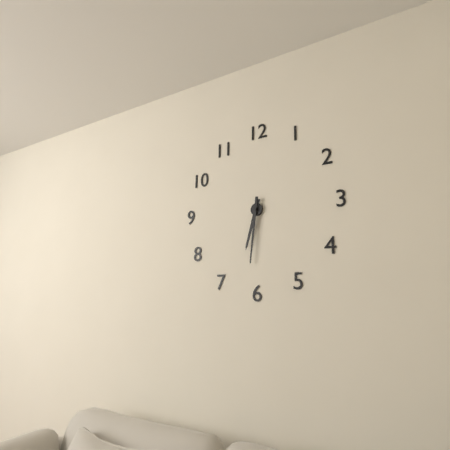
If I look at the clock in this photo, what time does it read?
6:31
